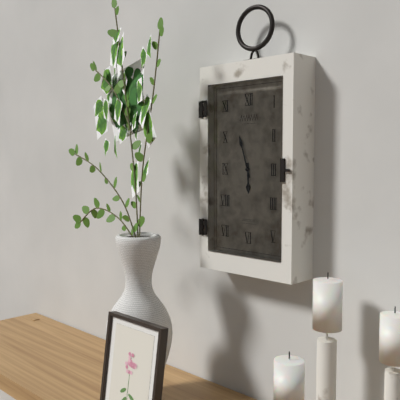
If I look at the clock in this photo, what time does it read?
5:57
